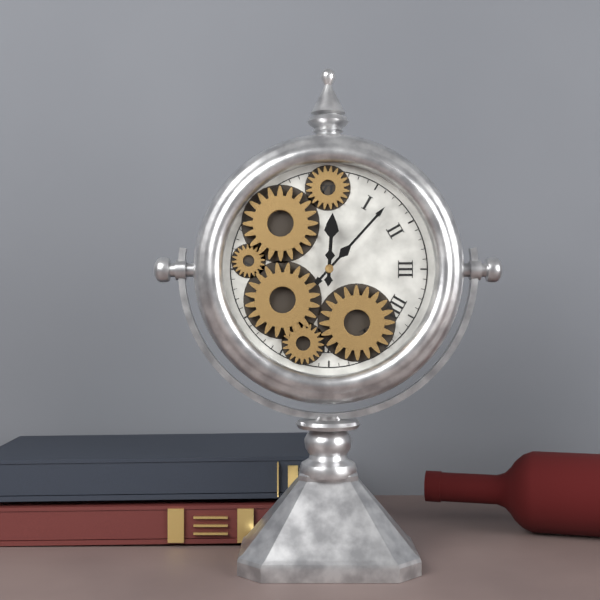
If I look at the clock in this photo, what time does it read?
12:07
